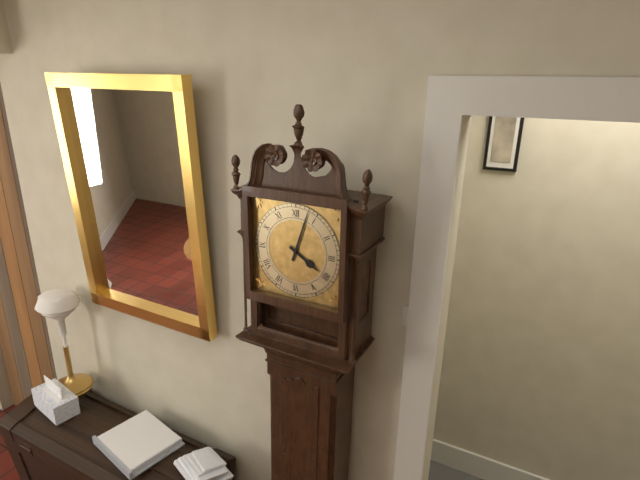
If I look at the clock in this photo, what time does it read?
4:03
